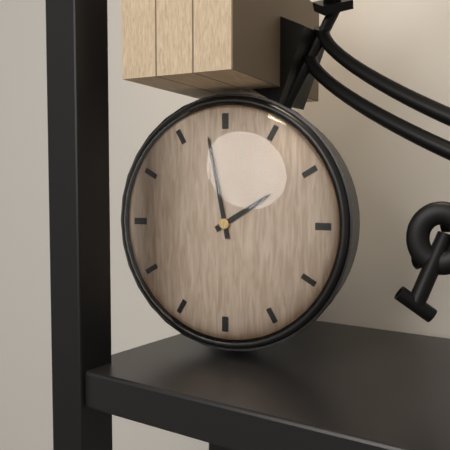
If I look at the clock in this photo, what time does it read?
1:58
